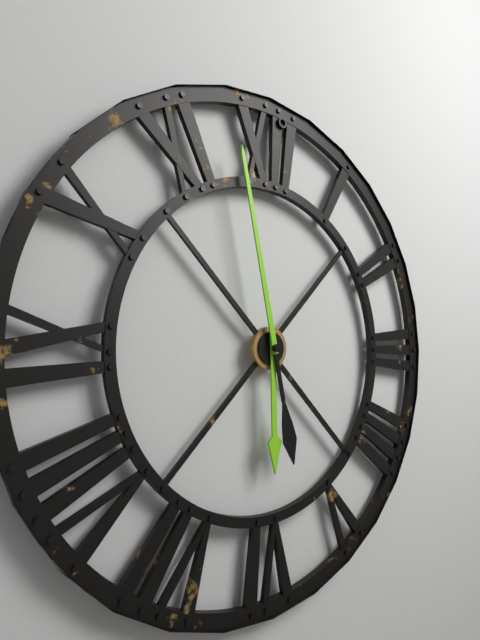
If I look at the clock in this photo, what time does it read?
5:58
